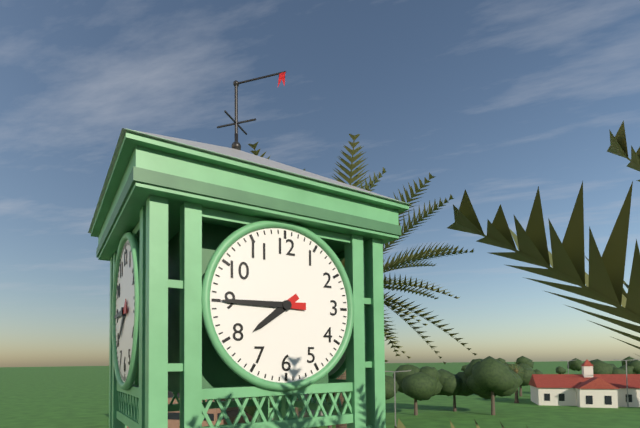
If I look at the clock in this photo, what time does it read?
7:45
